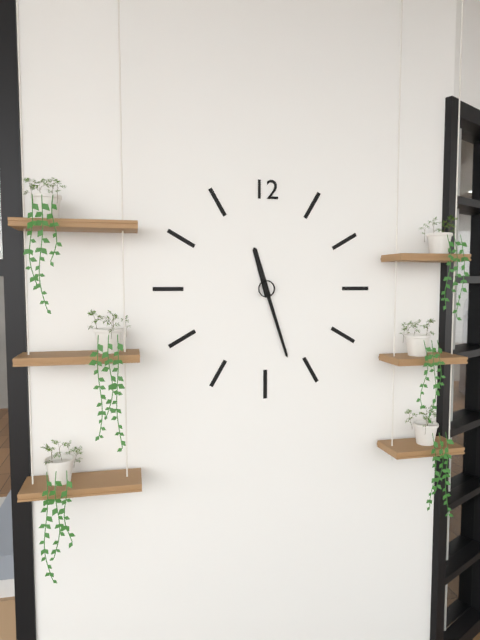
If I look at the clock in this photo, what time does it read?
11:27
